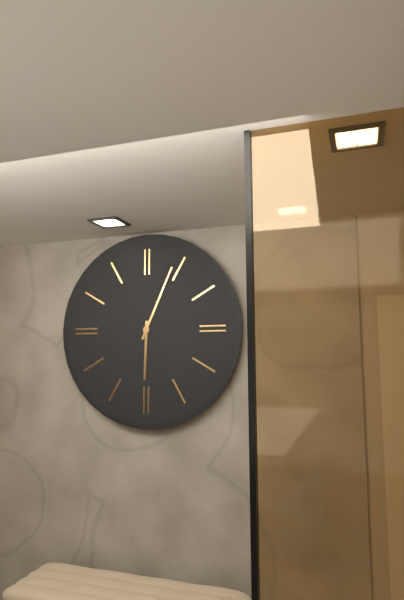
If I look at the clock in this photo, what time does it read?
6:04
